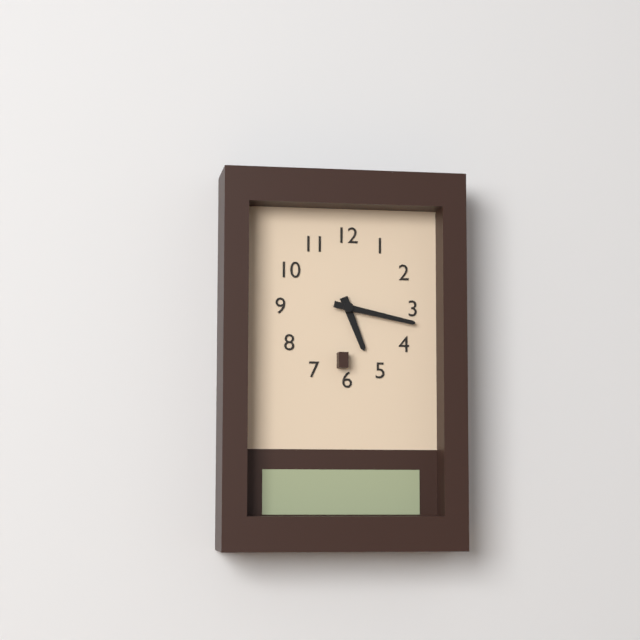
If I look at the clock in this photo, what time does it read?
5:17
